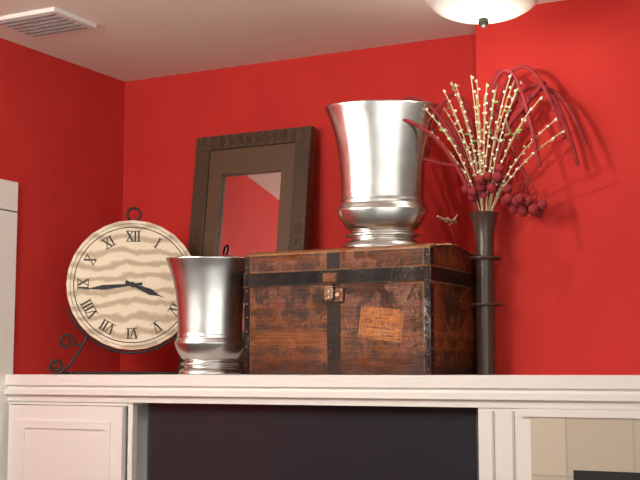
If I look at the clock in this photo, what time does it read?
3:44
